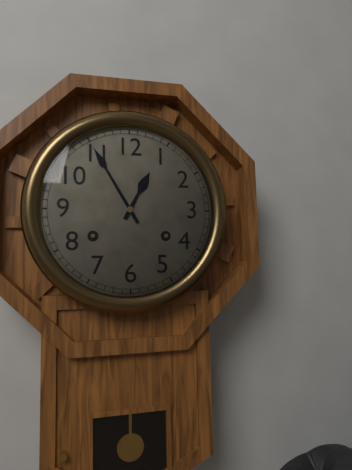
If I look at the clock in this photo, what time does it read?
12:55
